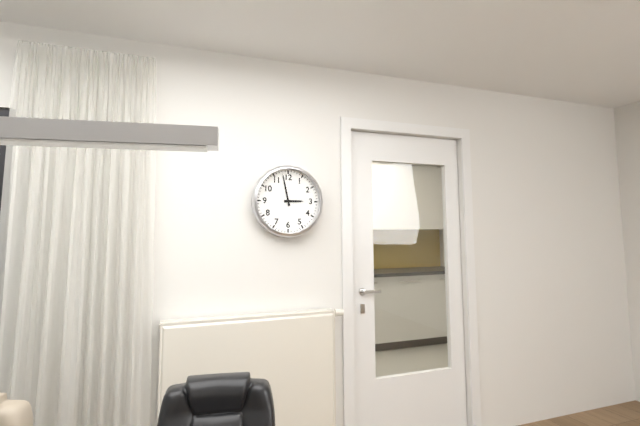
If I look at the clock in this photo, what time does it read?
2:58
